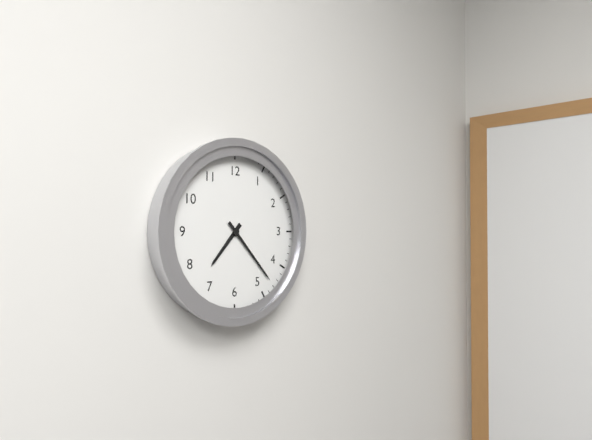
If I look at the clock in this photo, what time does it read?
7:23
